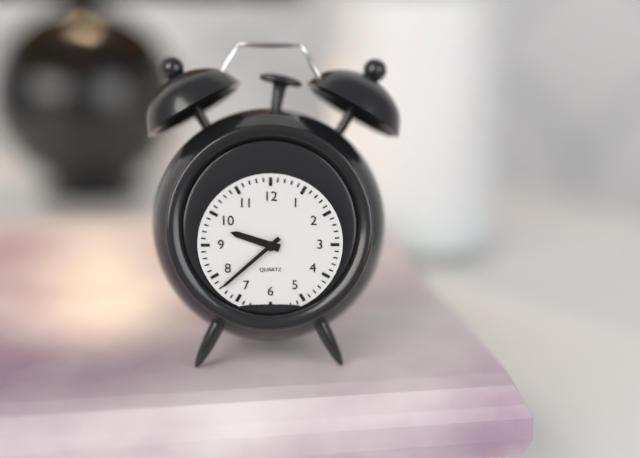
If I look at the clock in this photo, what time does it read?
9:38
